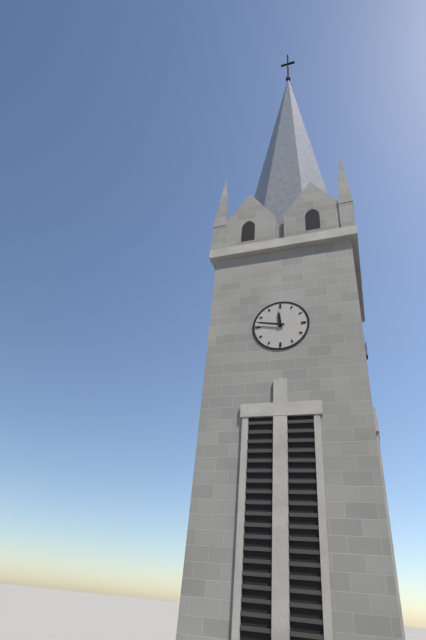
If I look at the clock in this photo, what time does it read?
11:47
